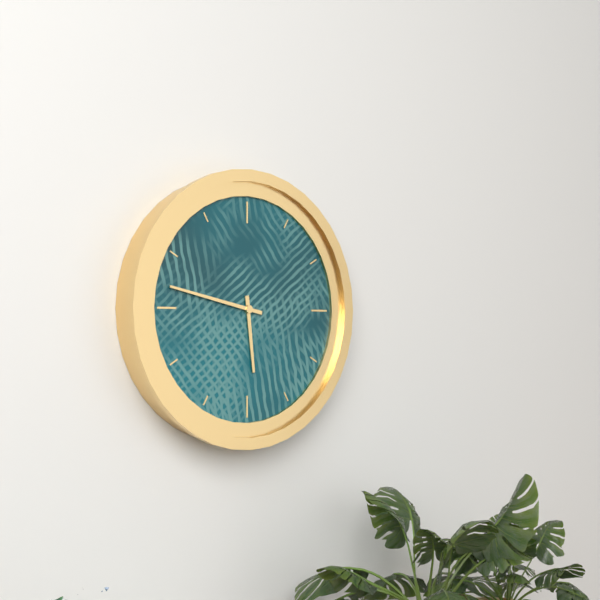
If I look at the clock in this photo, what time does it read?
5:47
